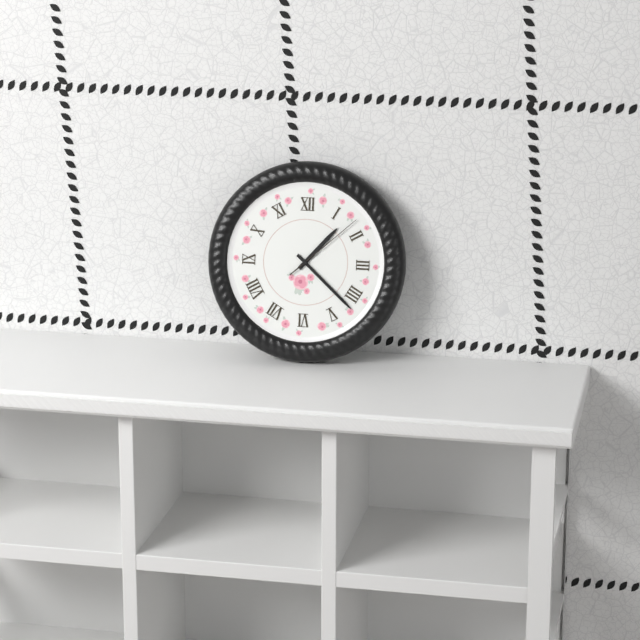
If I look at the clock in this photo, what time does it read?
1:22:08
